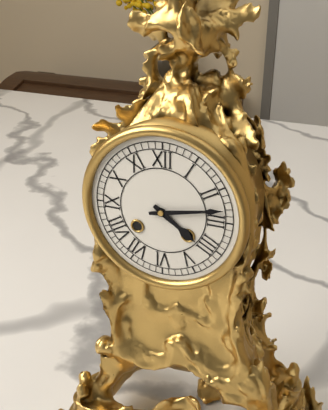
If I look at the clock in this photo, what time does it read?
4:13
